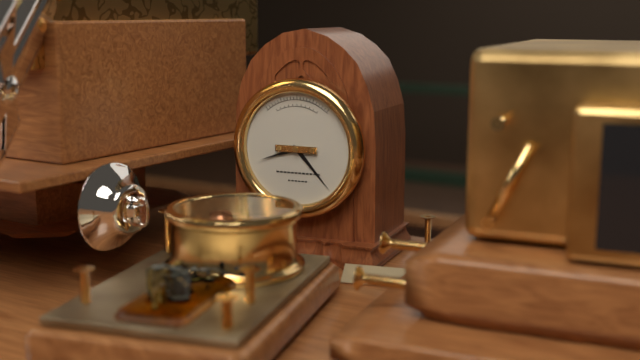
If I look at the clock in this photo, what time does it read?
8:23
